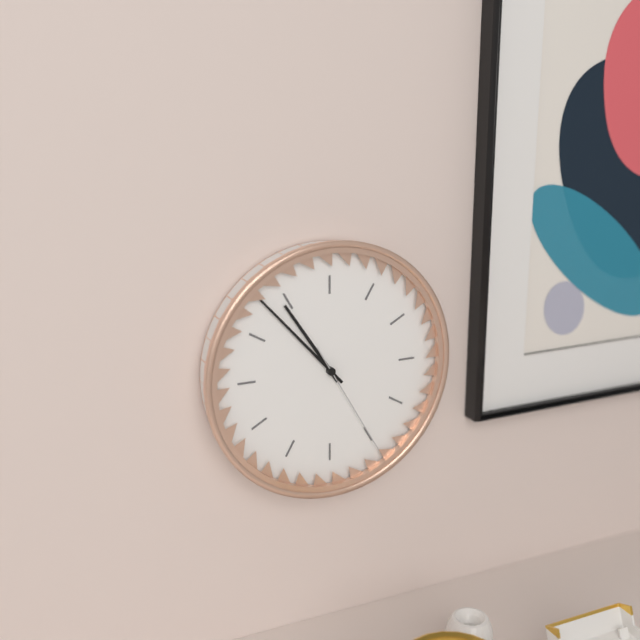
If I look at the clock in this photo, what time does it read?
10:53:25
